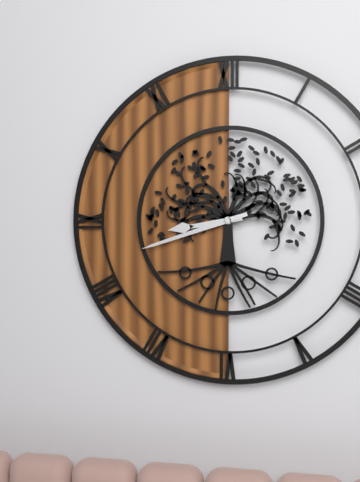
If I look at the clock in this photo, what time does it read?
8:42
